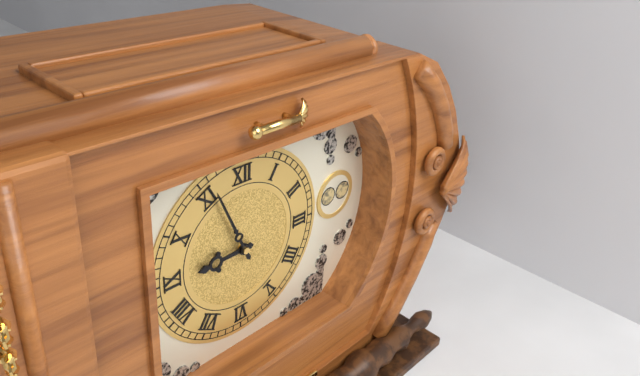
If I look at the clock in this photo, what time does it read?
8:56
